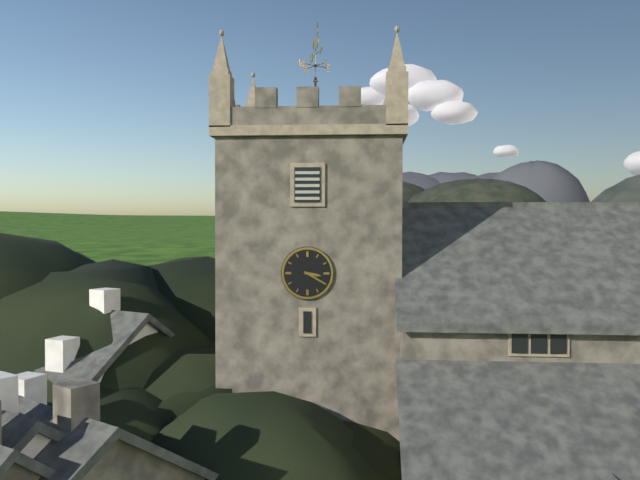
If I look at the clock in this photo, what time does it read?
3:20
